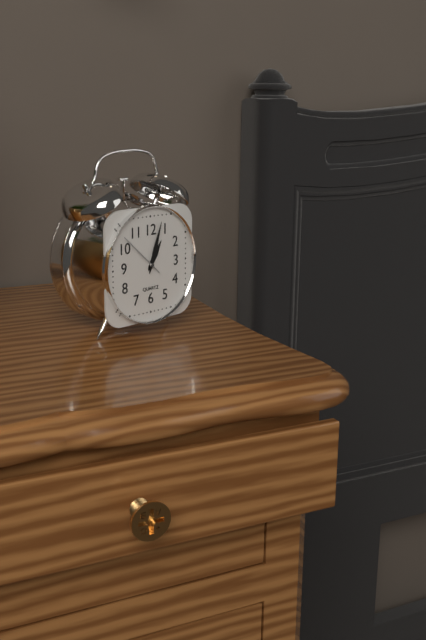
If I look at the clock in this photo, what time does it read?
1:03
